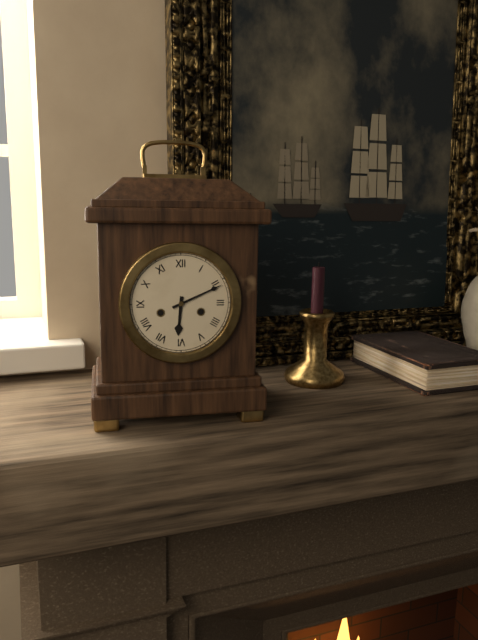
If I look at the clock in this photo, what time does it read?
6:11
